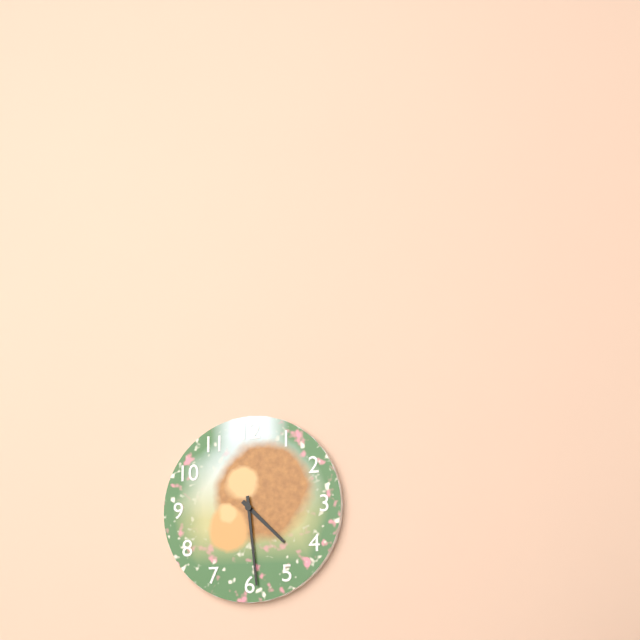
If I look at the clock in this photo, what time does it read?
4:29
